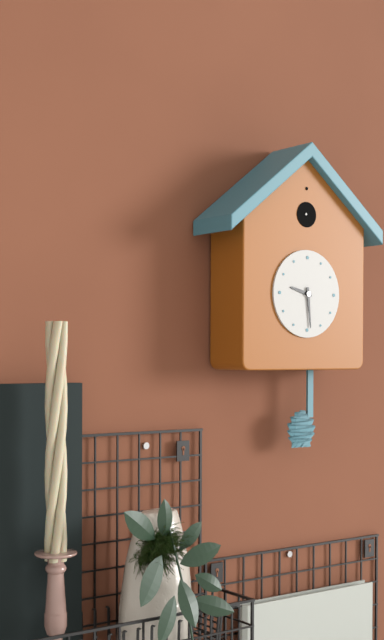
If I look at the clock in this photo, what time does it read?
9:29
